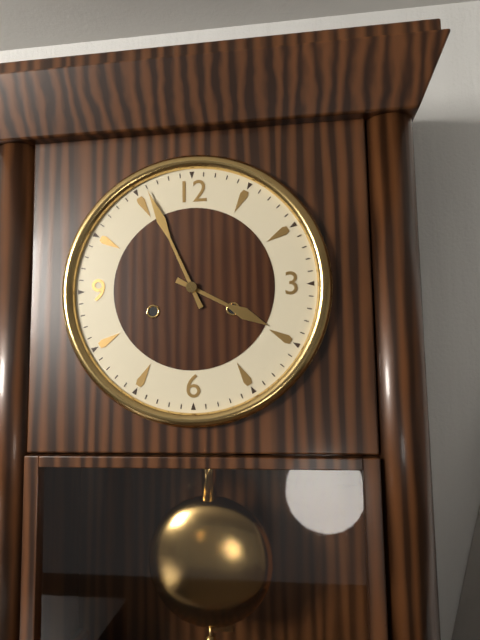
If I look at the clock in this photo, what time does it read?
3:56
